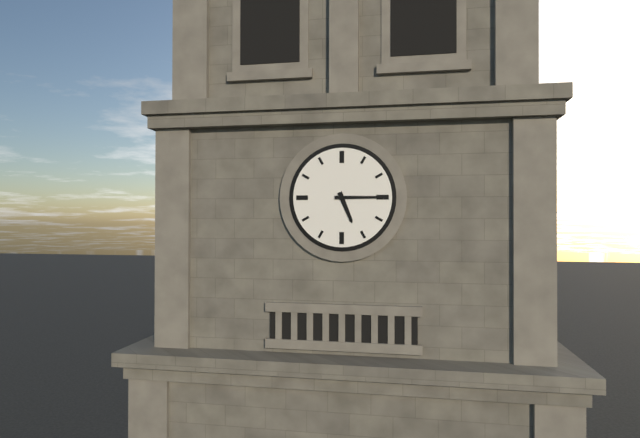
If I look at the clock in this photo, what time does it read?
5:15
